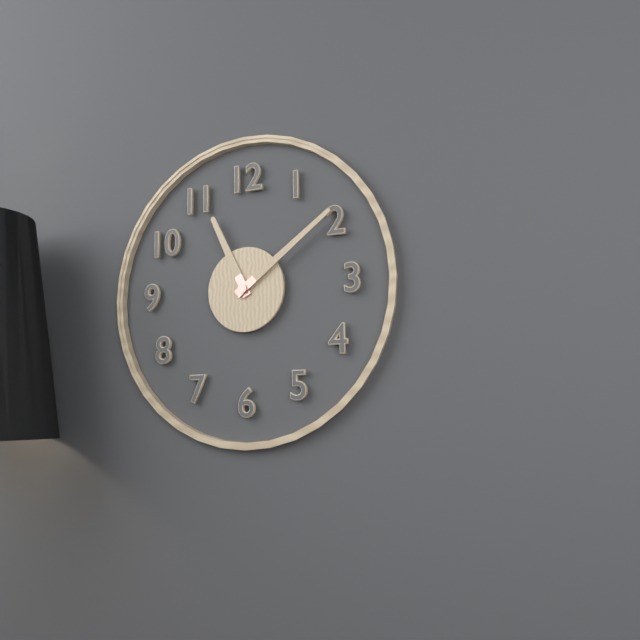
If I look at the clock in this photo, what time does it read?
11:09
